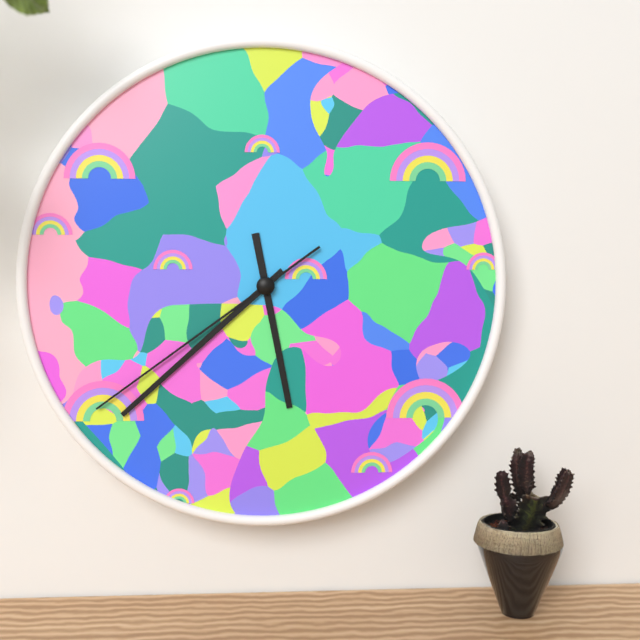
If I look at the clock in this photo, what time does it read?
5:38:39
